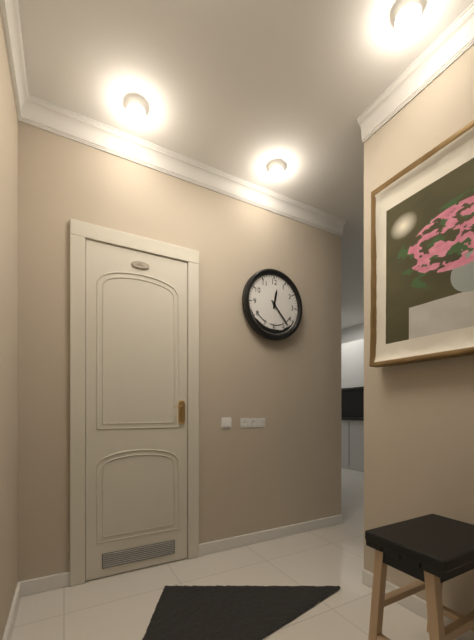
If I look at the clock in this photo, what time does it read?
12:23
